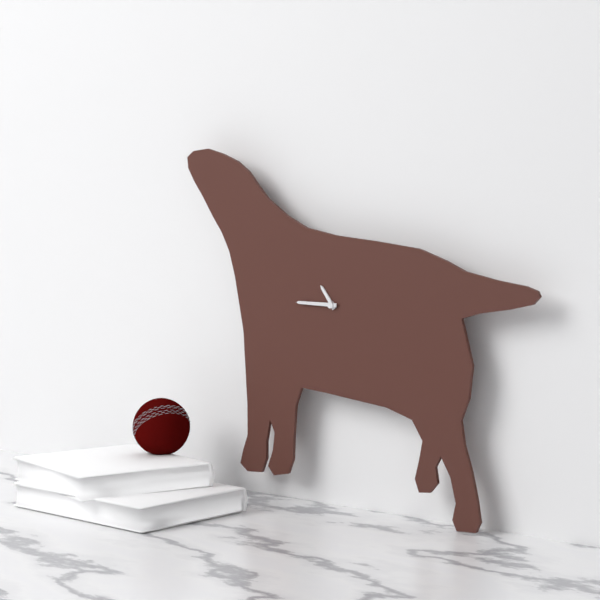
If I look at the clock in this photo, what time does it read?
10:45
